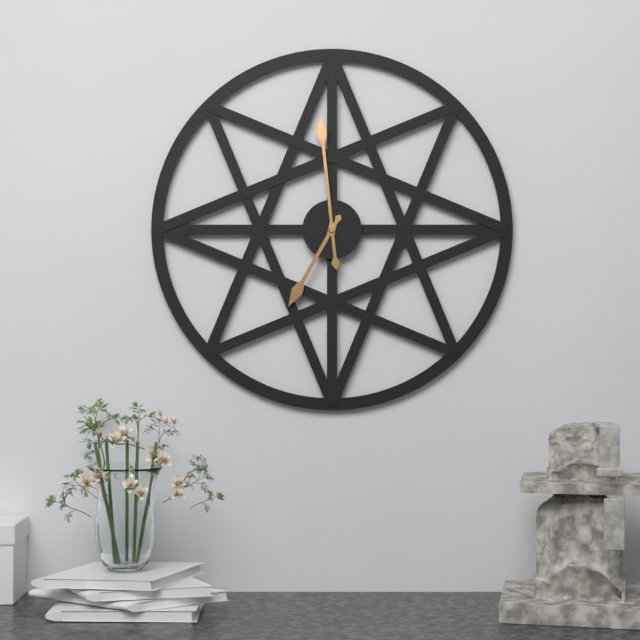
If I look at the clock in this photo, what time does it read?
6:59
